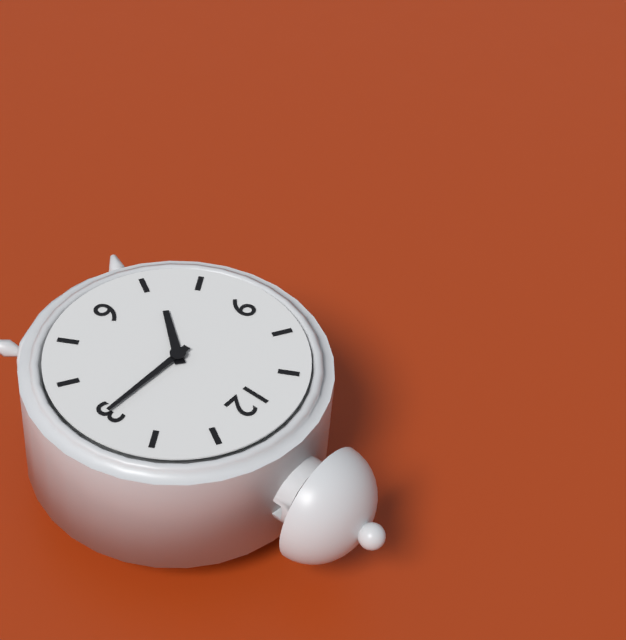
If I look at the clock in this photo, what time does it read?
7:15
